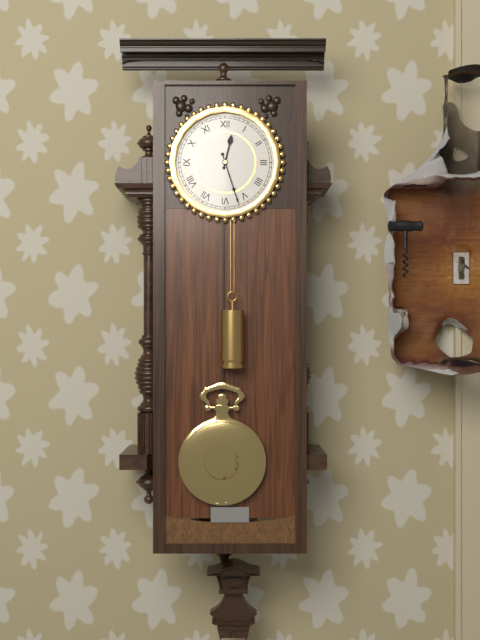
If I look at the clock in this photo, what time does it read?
12:27
